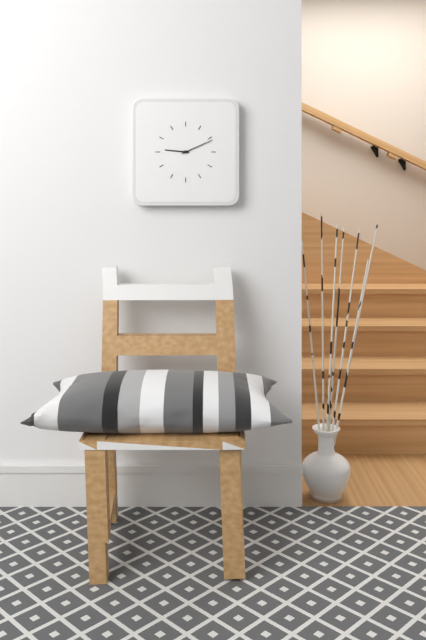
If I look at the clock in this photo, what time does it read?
9:11
